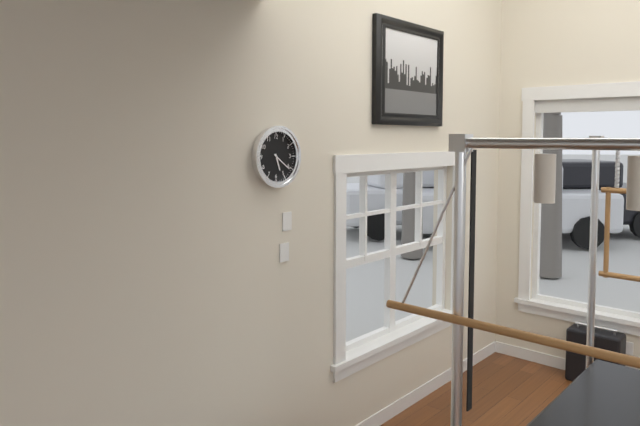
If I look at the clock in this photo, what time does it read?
5:21
